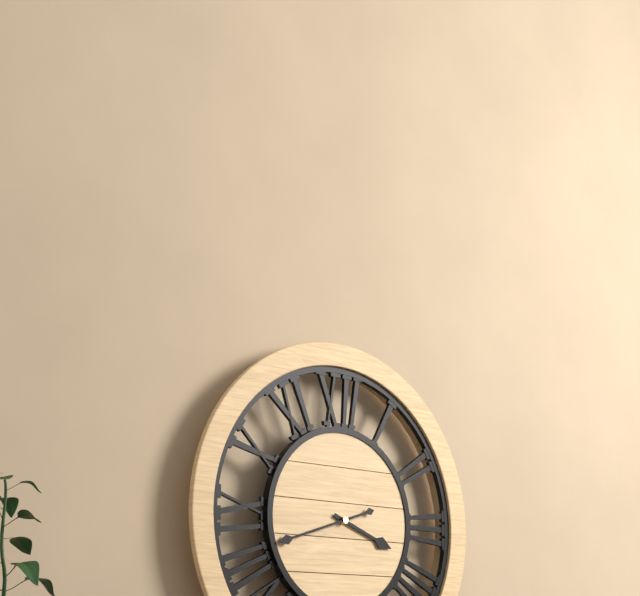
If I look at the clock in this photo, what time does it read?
3:42
